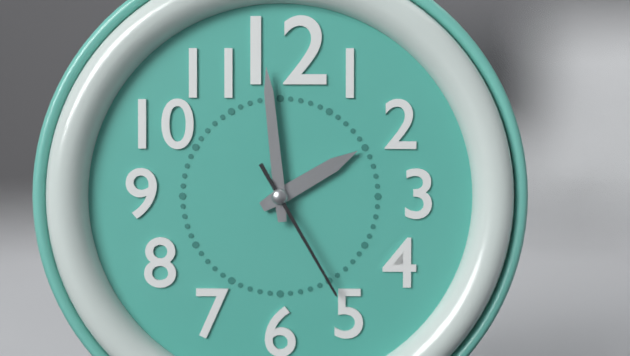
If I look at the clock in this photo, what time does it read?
1:59:25
